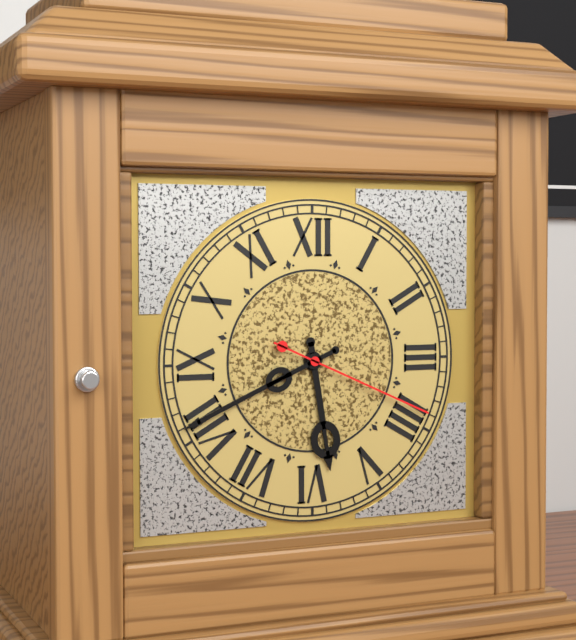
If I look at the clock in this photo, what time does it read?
5:41:19
